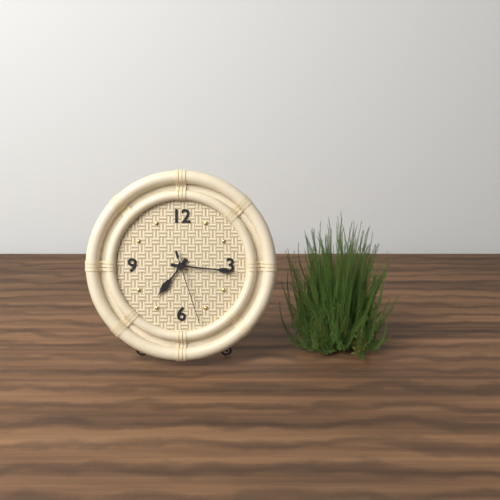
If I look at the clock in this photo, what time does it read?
7:16:27
